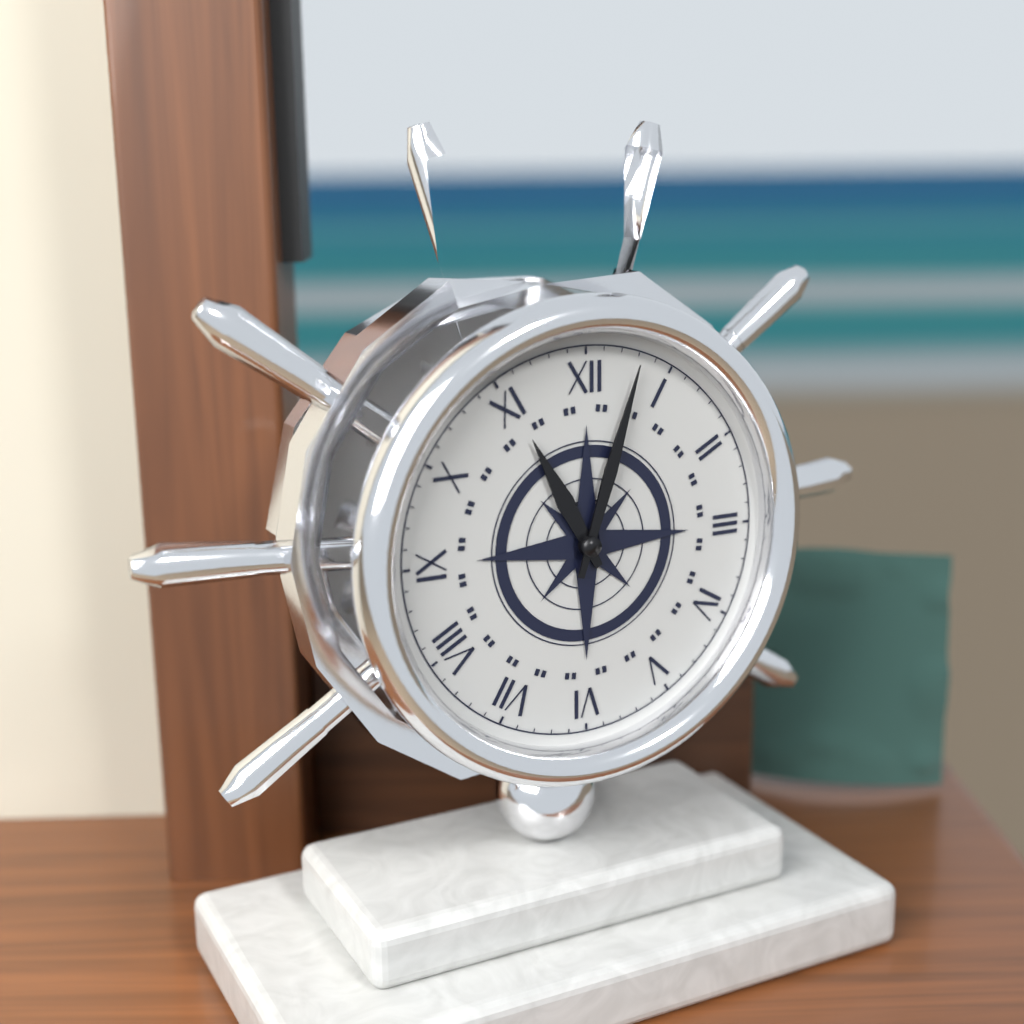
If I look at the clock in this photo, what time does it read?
11:03
